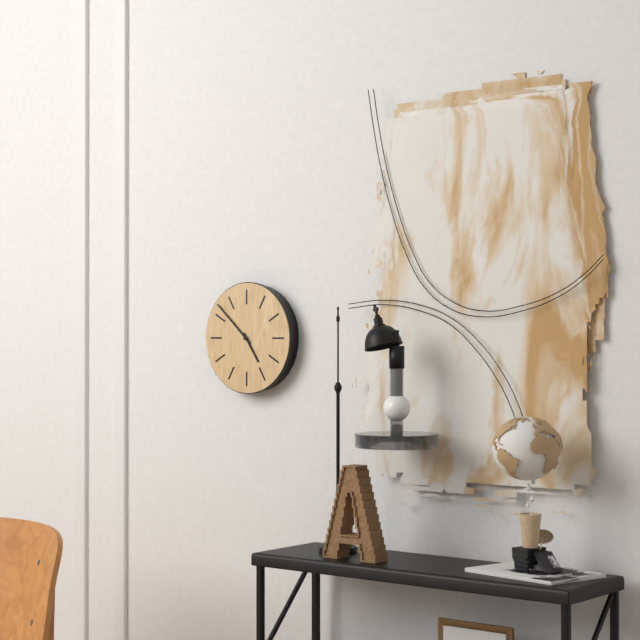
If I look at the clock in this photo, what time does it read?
4:52
